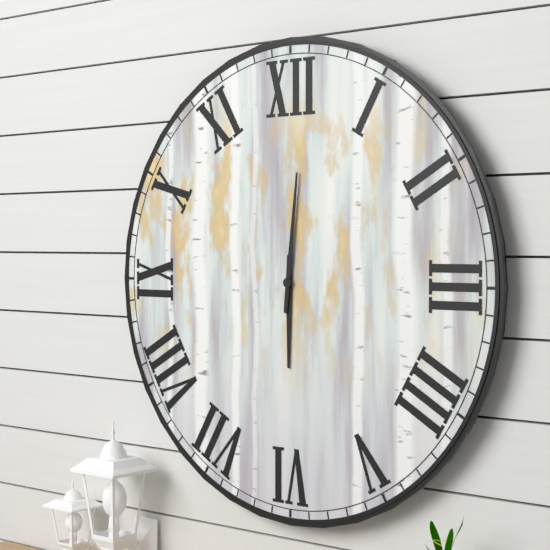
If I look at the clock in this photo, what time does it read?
6:01
